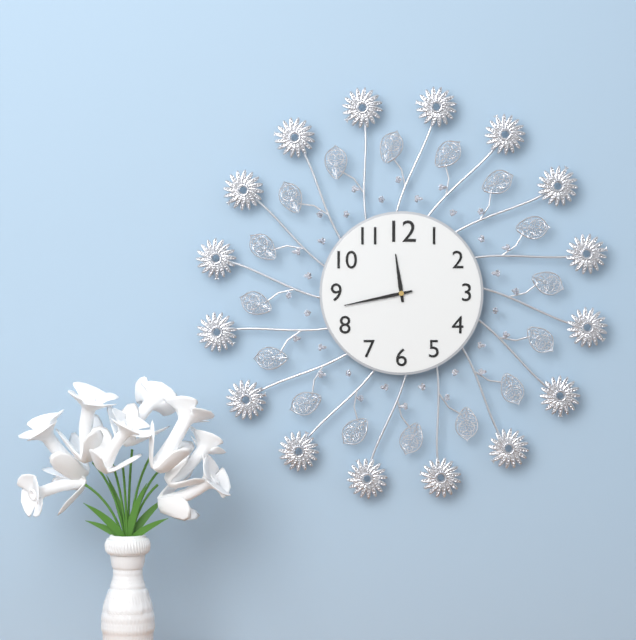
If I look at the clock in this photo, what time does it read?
11:43
